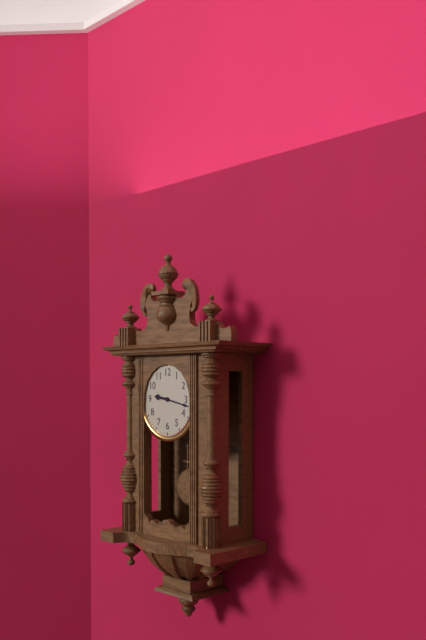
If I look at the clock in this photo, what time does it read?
9:17
